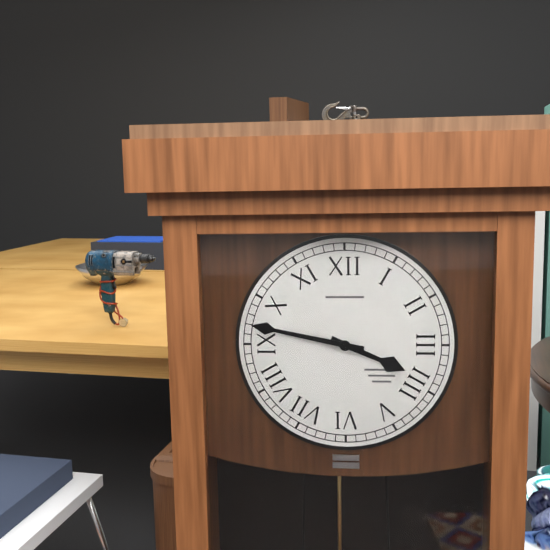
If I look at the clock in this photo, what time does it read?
3:47
